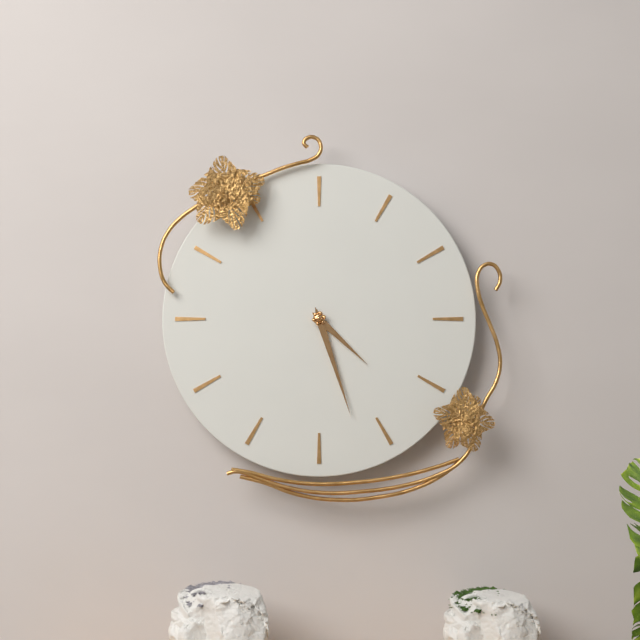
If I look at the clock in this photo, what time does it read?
4:27
